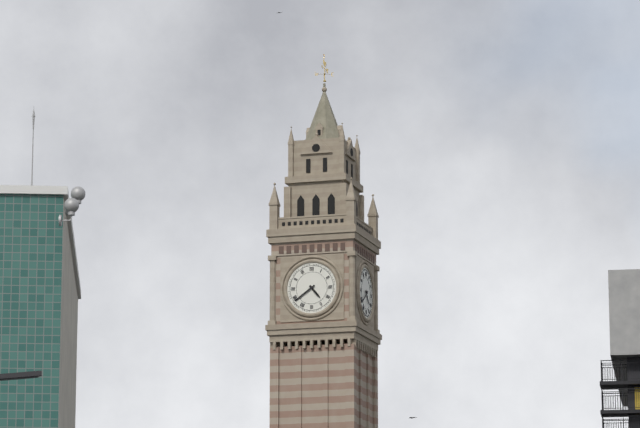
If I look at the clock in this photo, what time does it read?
4:39
